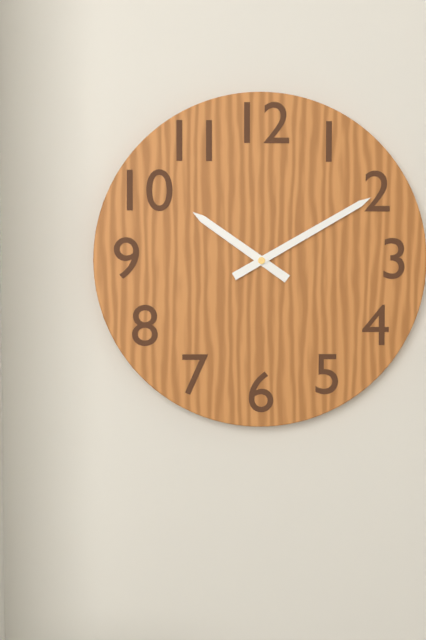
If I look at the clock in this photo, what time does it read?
10:10
